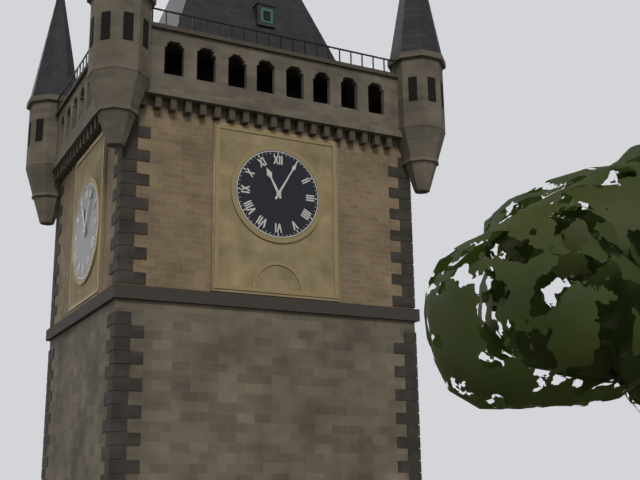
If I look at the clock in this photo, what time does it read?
11:05
